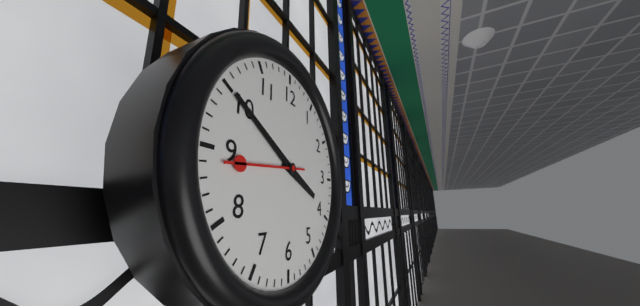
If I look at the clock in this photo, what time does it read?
3:50:44
